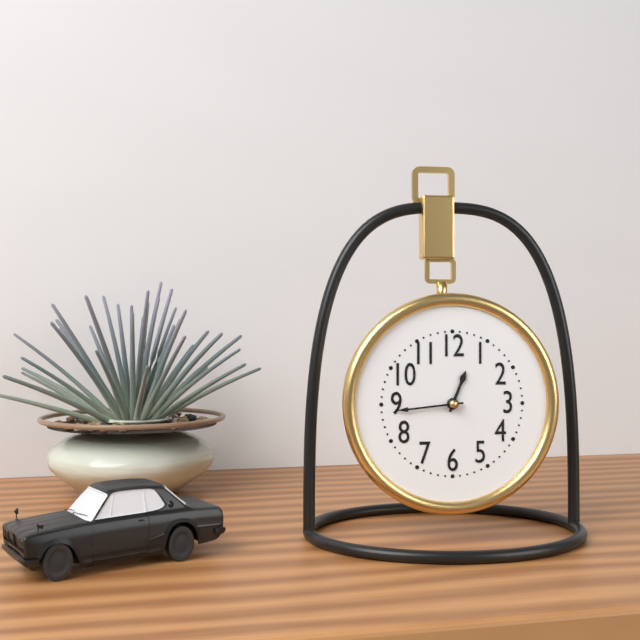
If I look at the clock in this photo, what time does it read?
12:44
